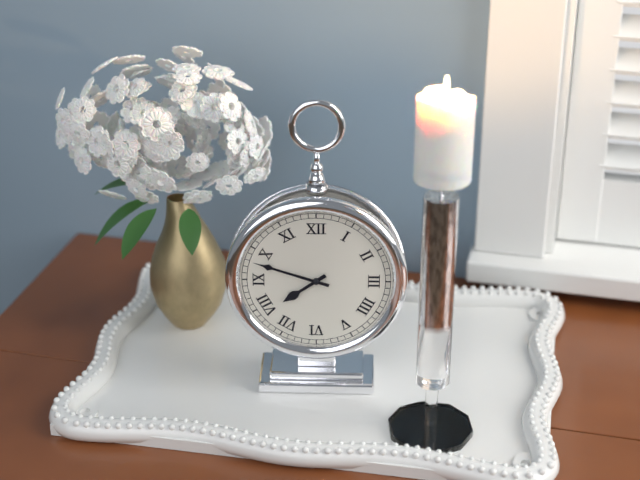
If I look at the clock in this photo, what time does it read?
7:48
